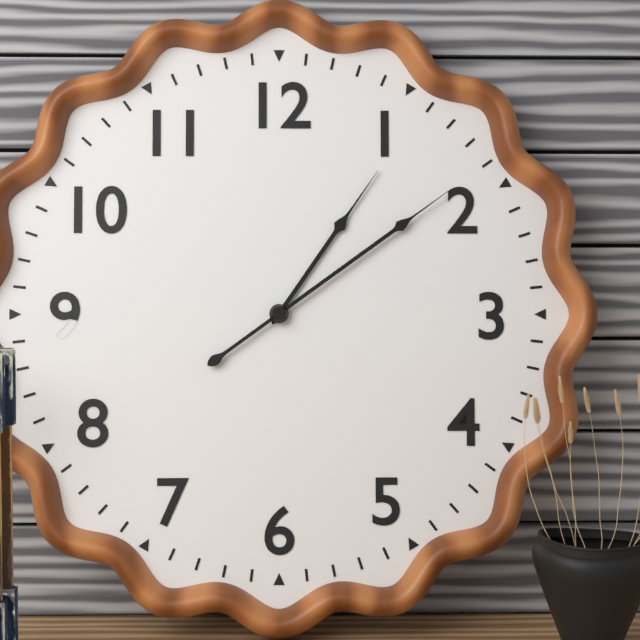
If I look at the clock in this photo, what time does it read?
1:09
